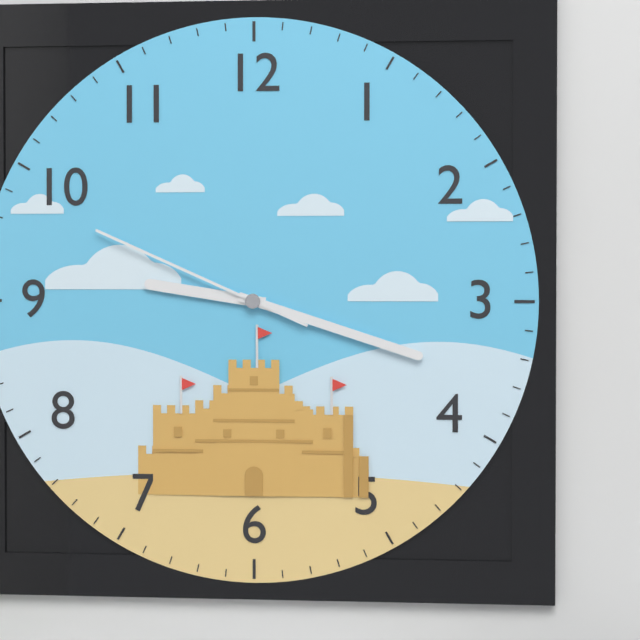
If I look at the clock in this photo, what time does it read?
9:18:49
